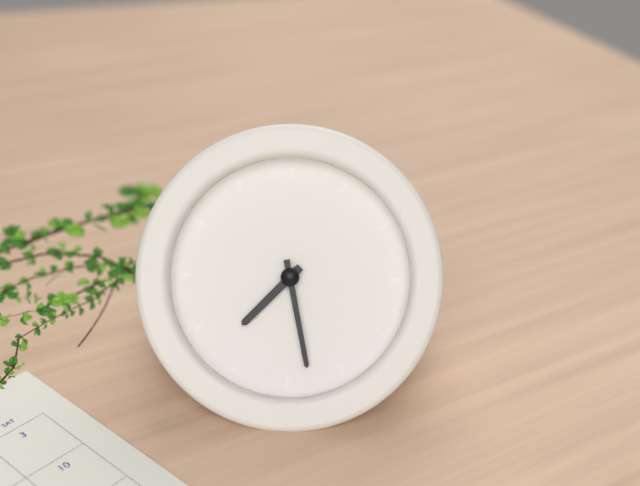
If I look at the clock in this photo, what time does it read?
7:28
